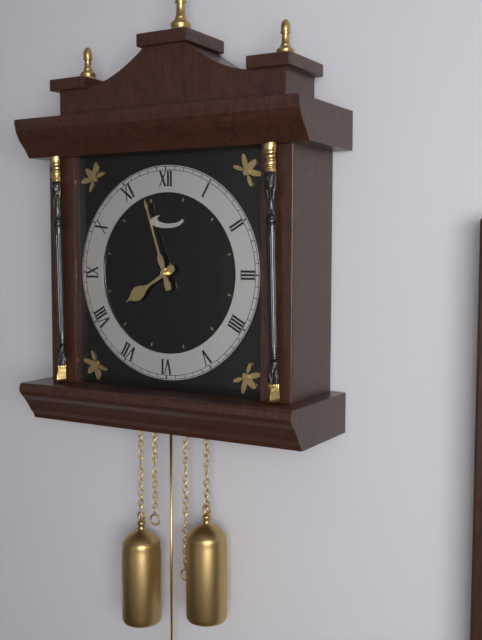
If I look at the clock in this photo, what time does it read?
7:57
